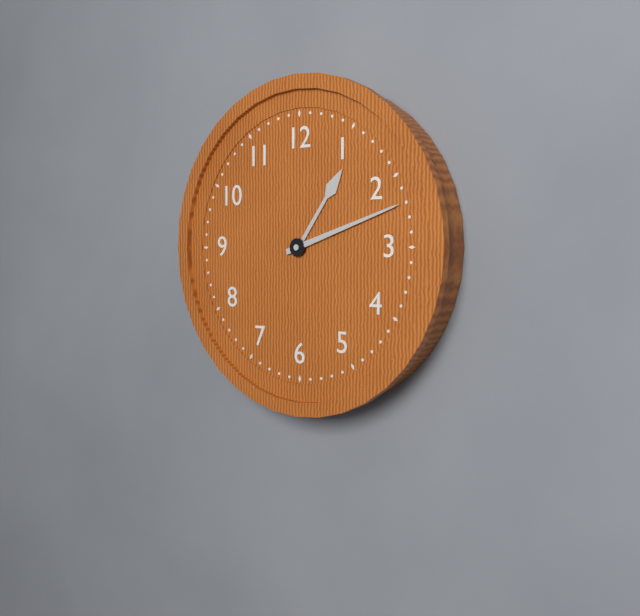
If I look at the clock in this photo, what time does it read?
1:12
